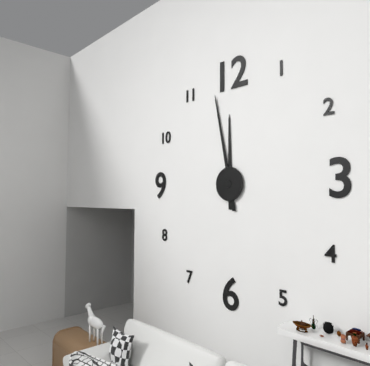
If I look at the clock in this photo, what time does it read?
11:58
